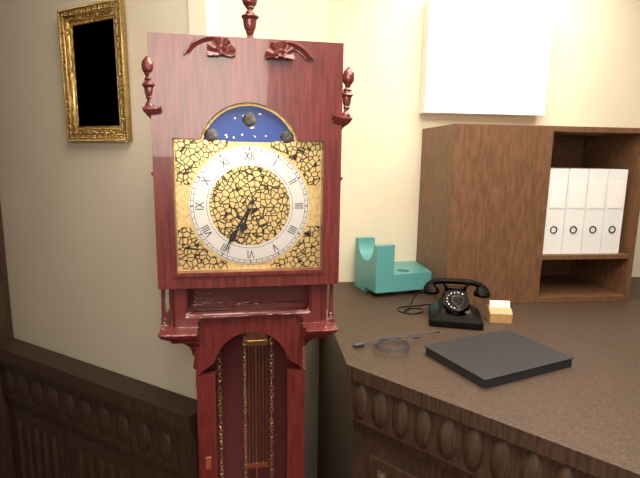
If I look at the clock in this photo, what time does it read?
6:35
